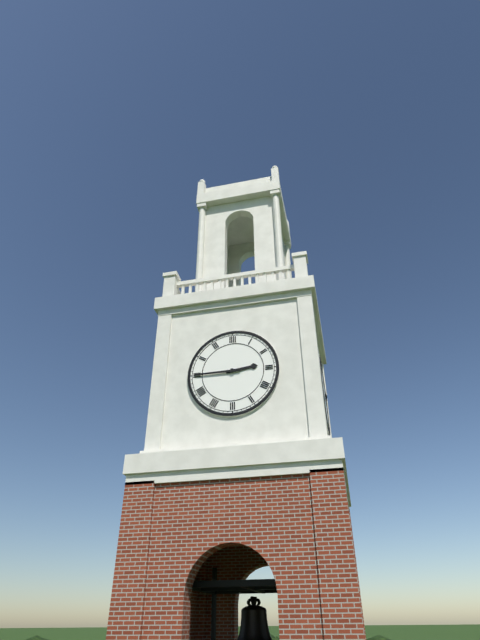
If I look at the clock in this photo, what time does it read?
2:45
